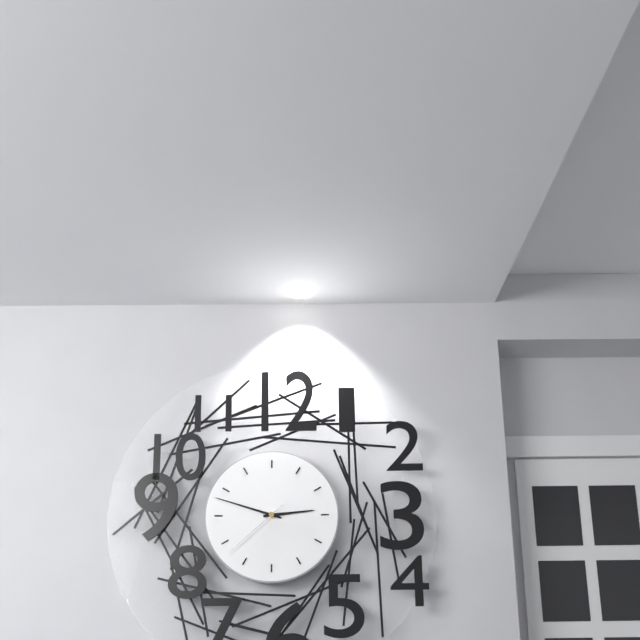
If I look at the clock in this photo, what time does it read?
2:48:38
